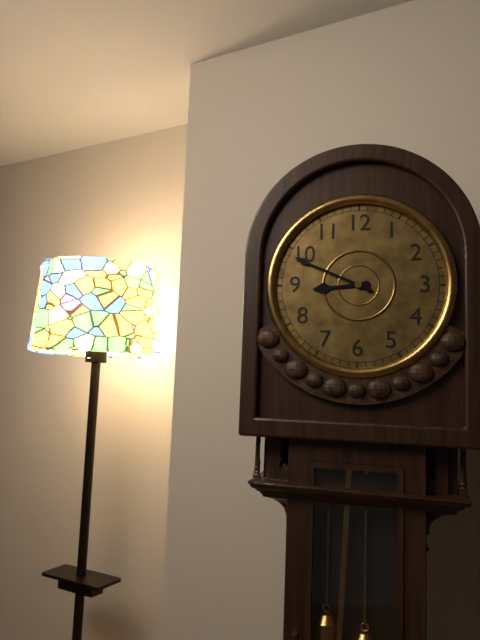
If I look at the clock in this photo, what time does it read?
8:49
